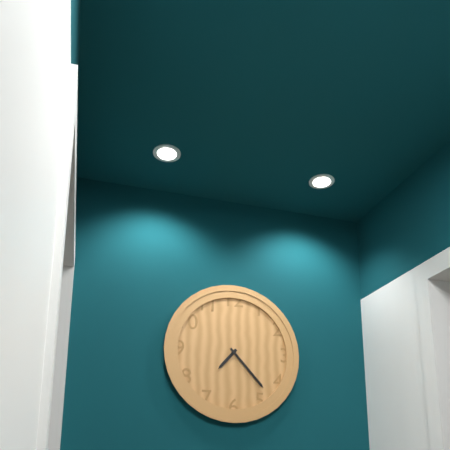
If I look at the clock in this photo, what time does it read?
7:23
